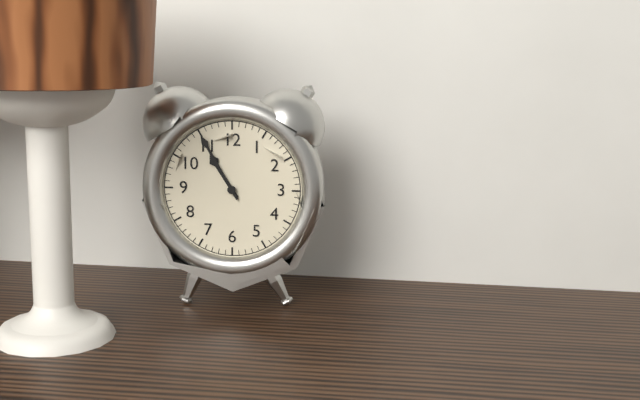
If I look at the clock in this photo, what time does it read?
10:55
